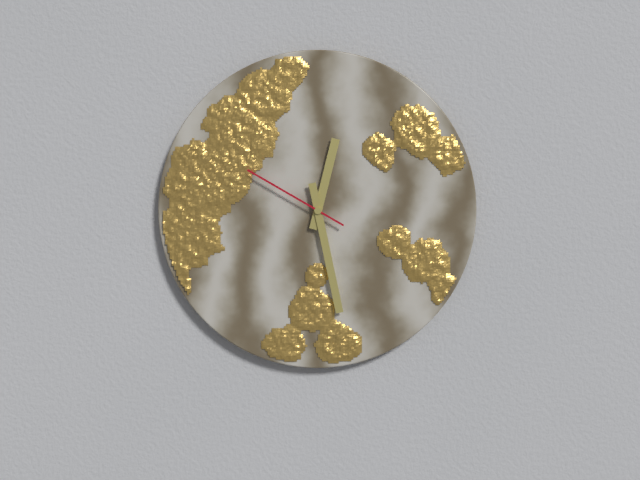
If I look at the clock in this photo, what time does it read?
12:28:50
